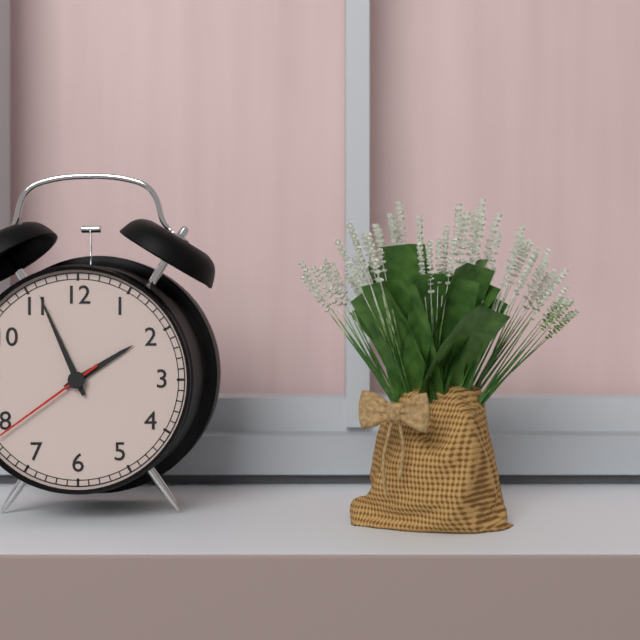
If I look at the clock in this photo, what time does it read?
1:56
